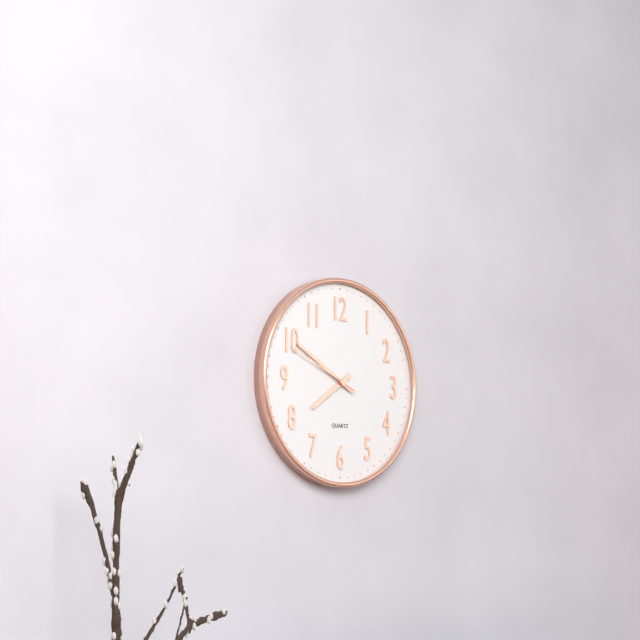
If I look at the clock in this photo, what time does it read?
7:50:49
